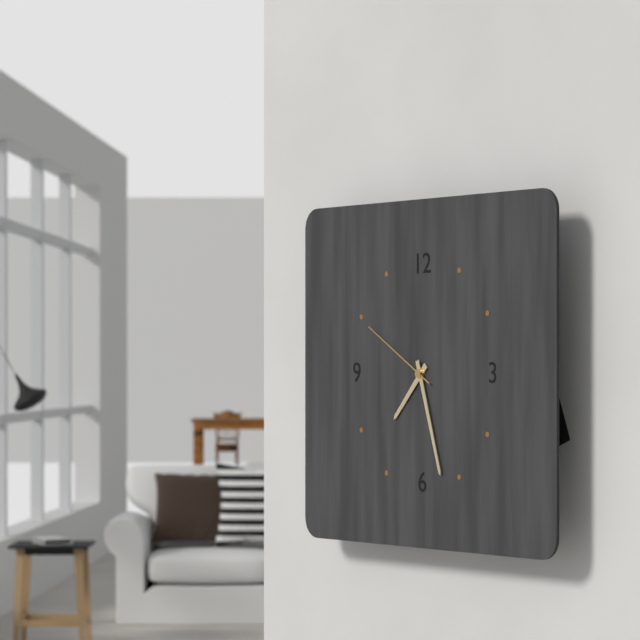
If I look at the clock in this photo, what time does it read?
7:27:50
